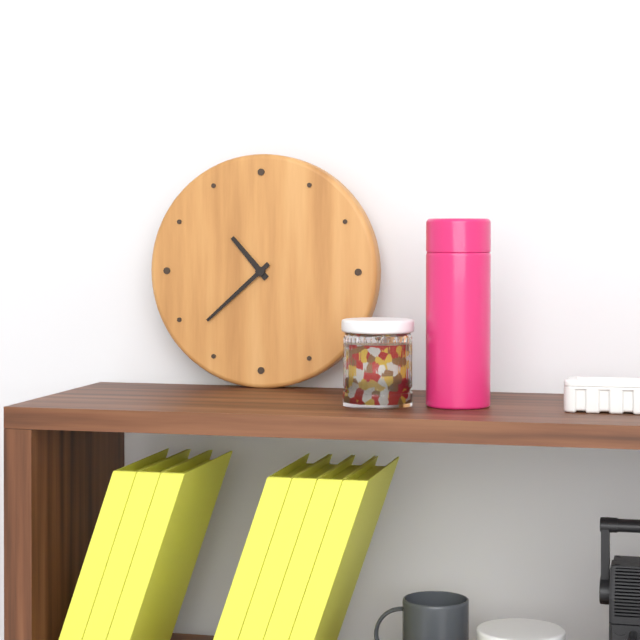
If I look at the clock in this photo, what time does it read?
10:38
